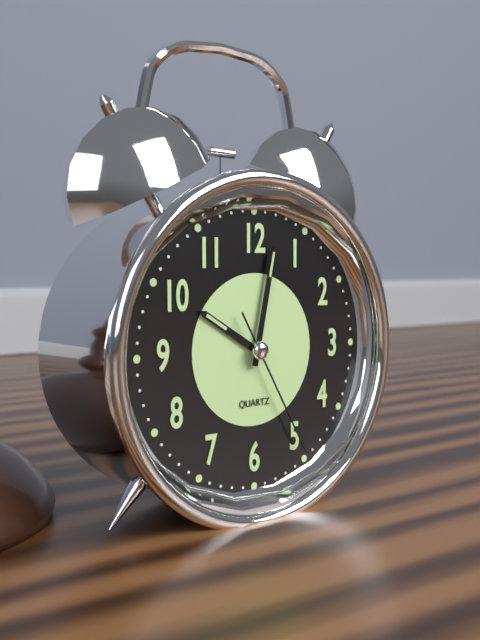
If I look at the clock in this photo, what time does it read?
10:02:25
